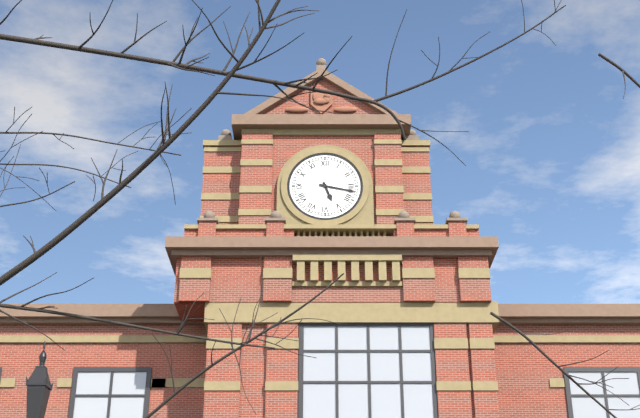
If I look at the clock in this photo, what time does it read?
5:17
